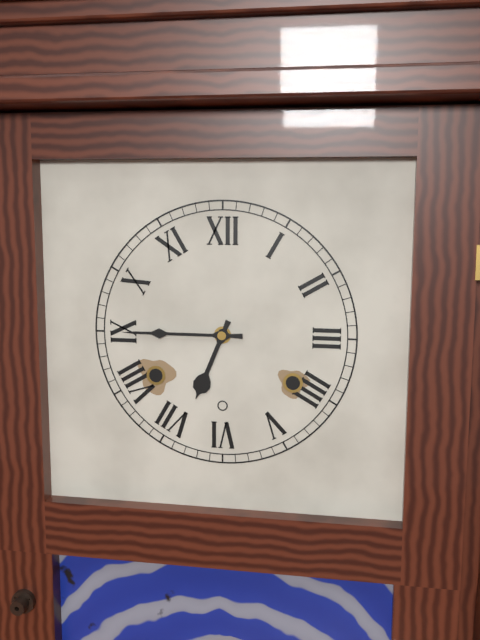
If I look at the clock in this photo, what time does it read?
6:45
